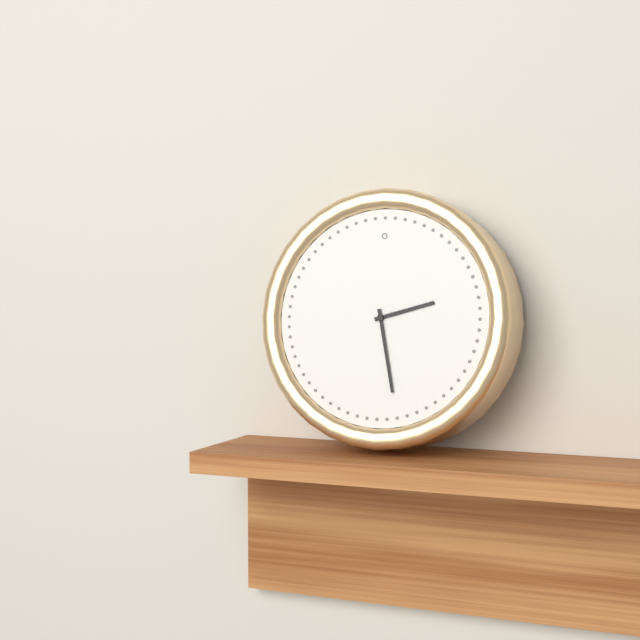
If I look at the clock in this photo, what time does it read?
2:28
